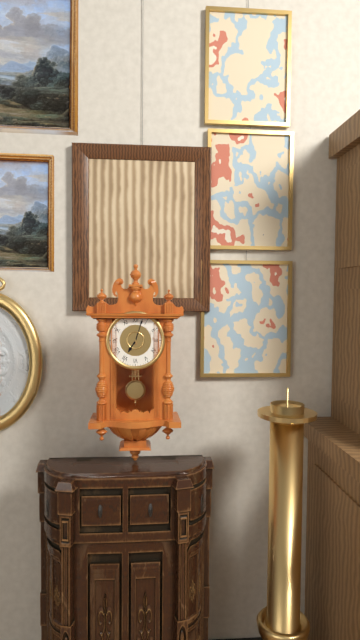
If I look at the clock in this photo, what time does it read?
7:03
